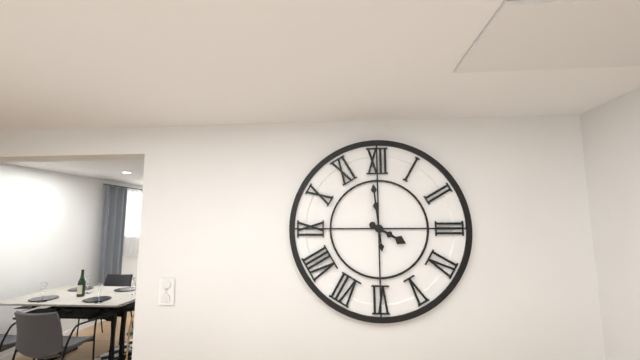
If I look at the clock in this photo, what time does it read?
3:59
